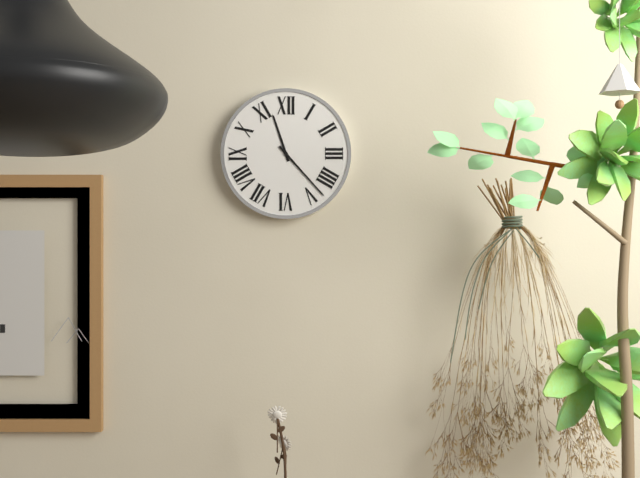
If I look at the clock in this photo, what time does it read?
11:23
